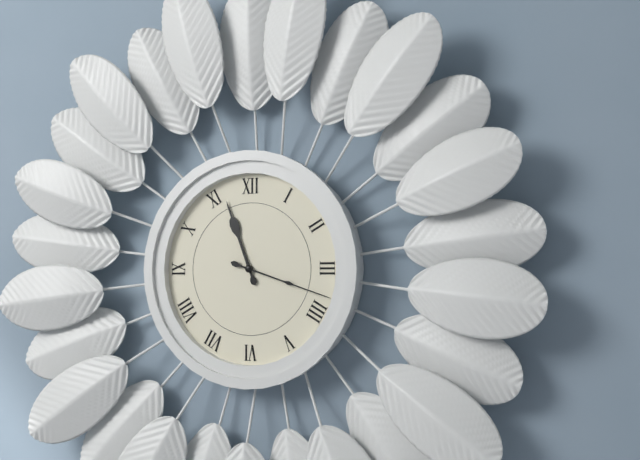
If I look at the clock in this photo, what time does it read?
11:18
